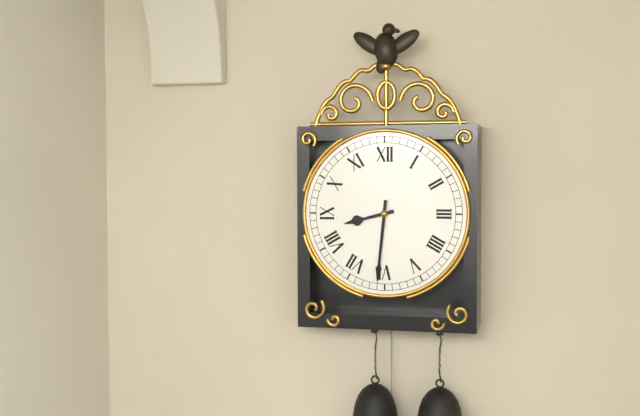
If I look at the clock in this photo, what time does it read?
8:31
